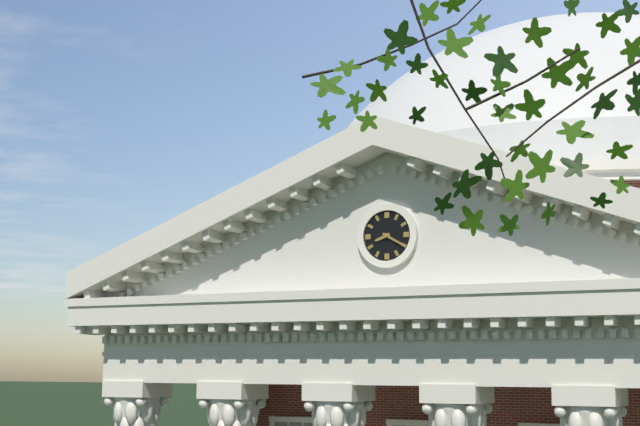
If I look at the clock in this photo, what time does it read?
8:20
